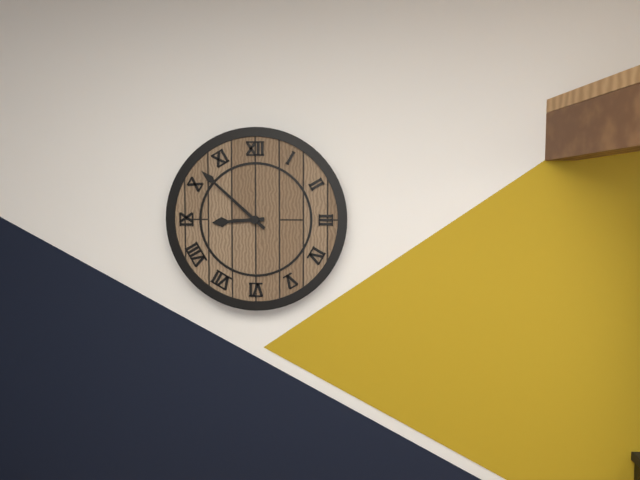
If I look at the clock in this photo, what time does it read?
8:52
